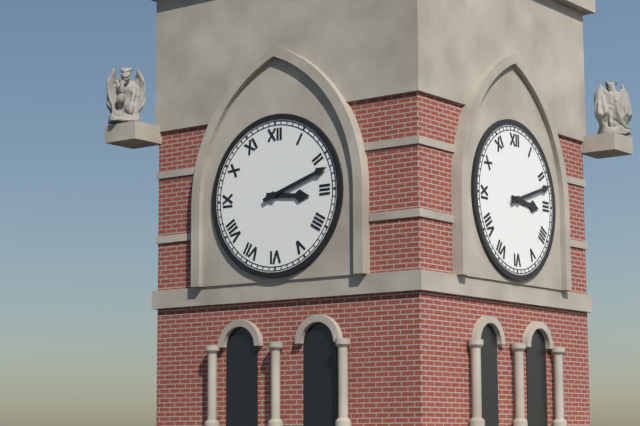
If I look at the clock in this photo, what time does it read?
3:12
